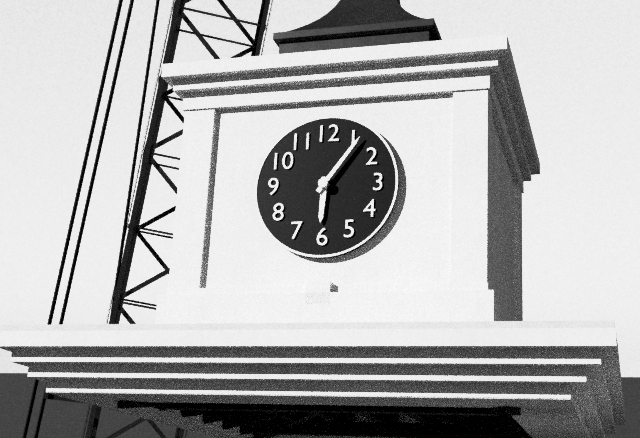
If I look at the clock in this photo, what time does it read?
6:06
